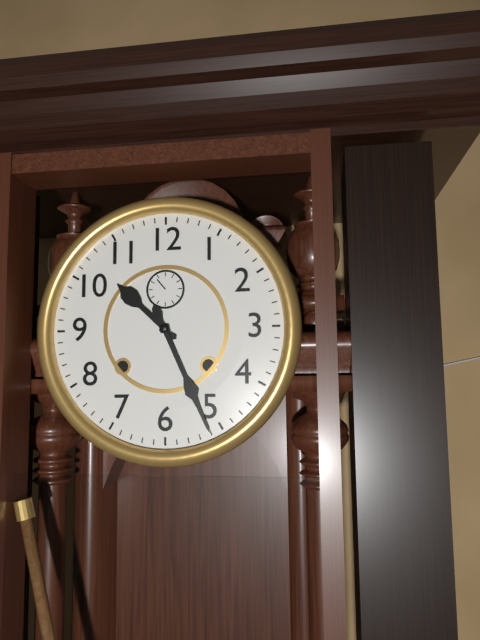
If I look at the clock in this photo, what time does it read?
10:26
